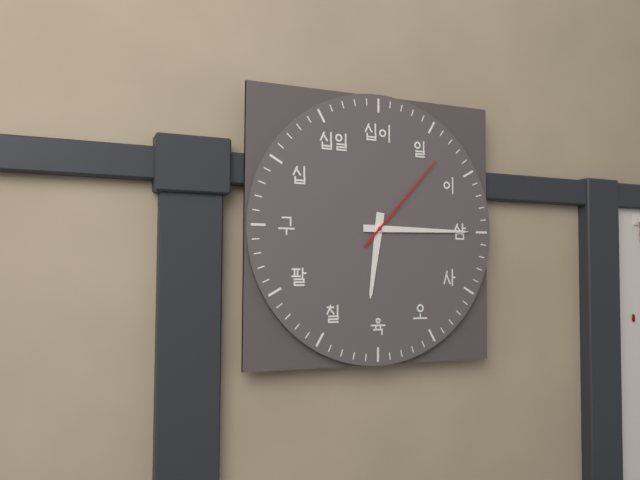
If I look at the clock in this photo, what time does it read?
6:15:07
